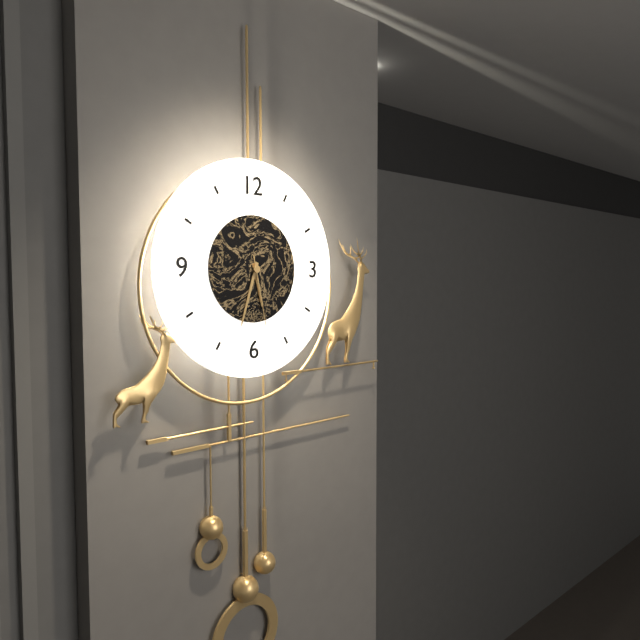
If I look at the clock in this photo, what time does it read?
5:33:28
